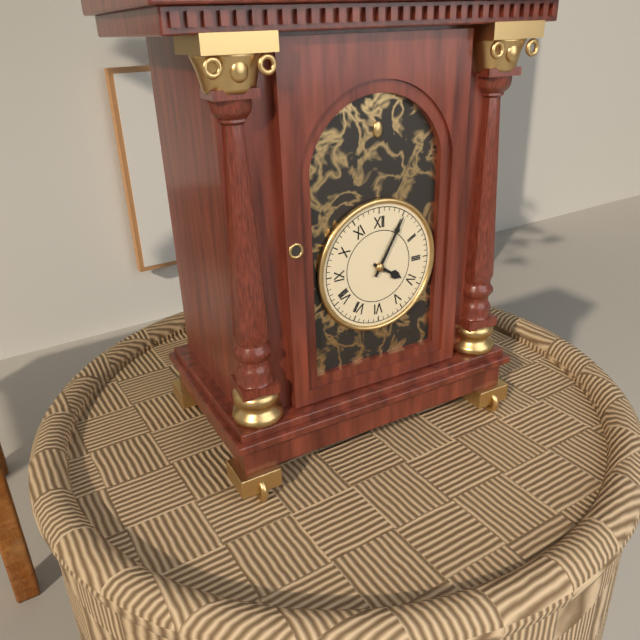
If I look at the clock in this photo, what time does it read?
4:05
